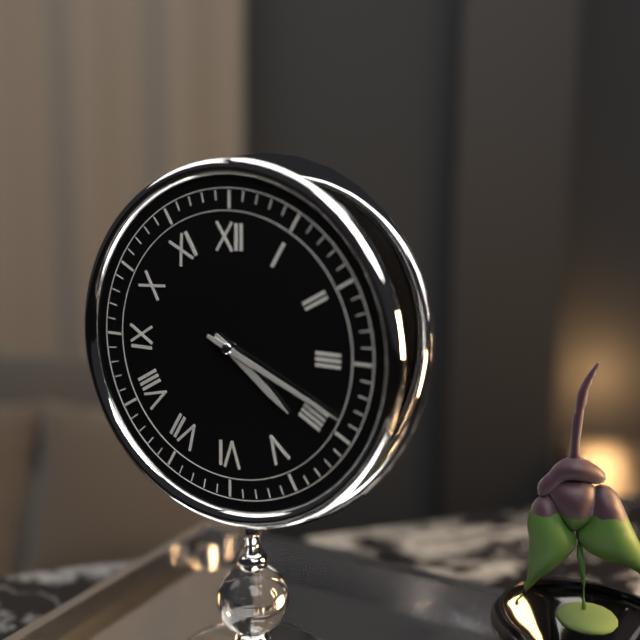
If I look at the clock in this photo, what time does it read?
4:19
